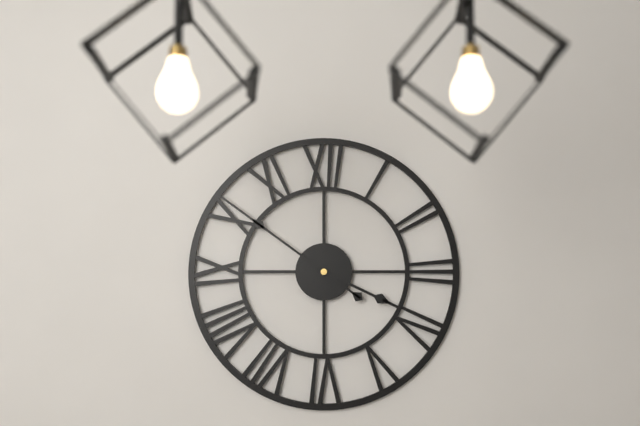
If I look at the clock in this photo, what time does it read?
3:51
